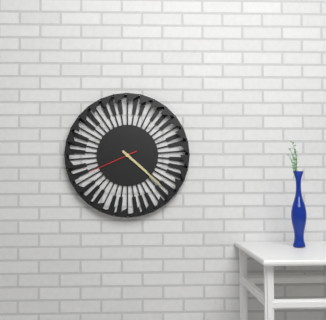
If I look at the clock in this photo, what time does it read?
4:22:41
